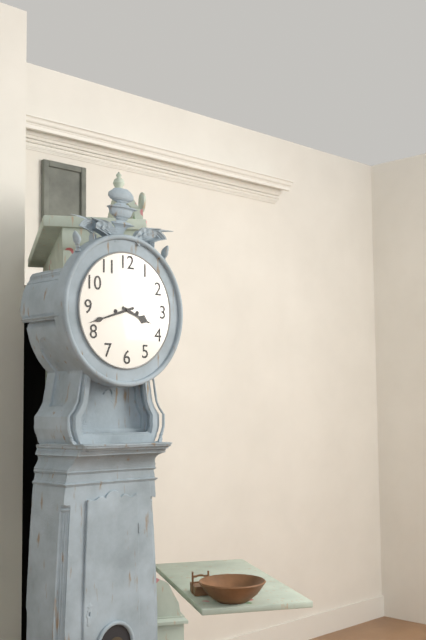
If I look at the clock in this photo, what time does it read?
3:42
